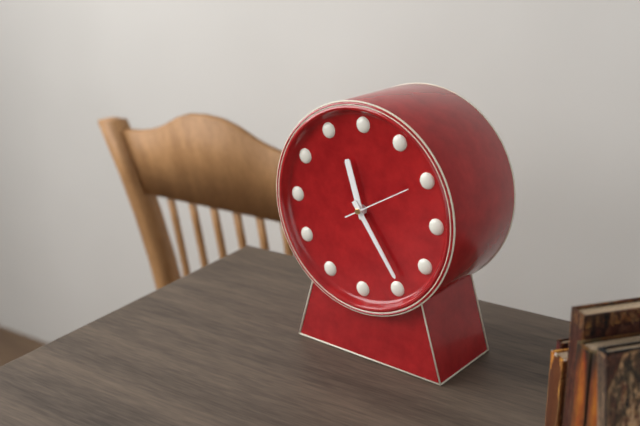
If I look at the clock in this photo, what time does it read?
11:24:10
